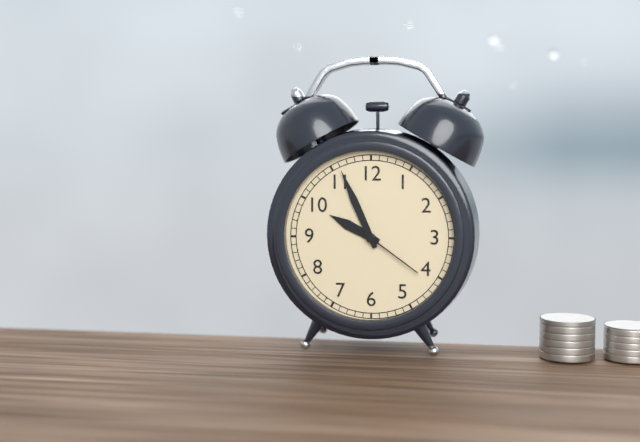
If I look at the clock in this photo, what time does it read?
9:56:21
